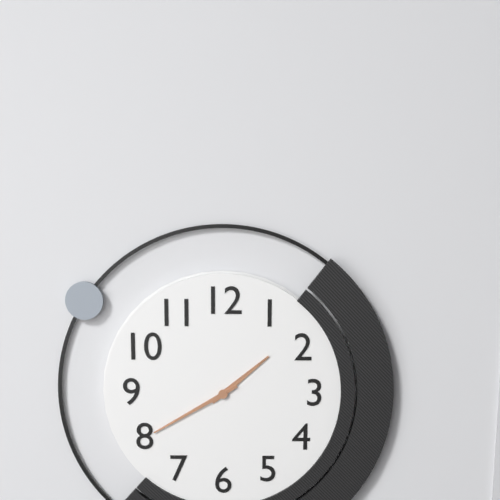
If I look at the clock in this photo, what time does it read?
1:40
